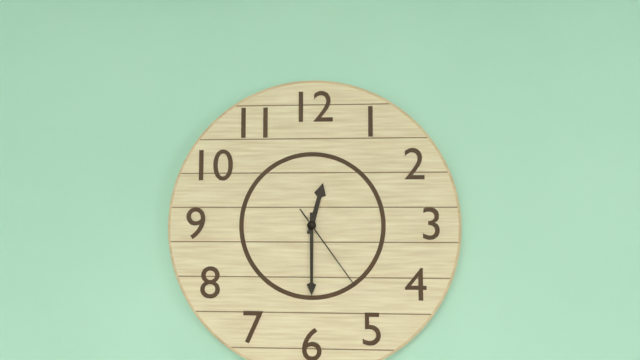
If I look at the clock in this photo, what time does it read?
12:30:24
